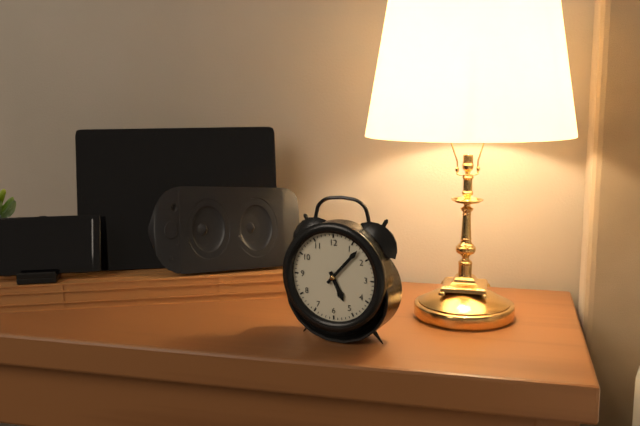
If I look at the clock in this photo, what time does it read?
5:07
